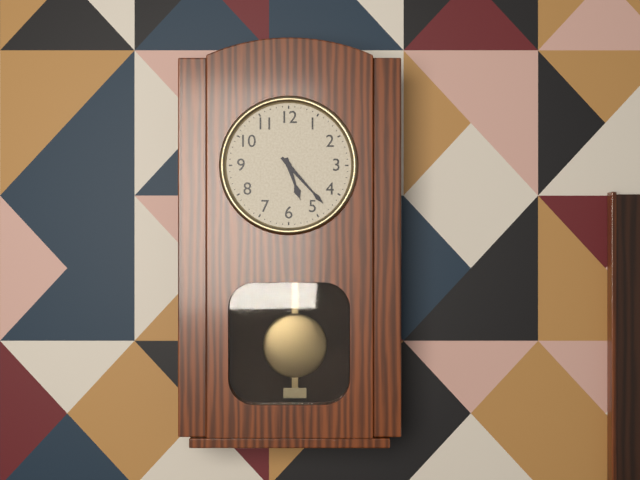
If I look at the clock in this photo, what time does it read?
5:23
